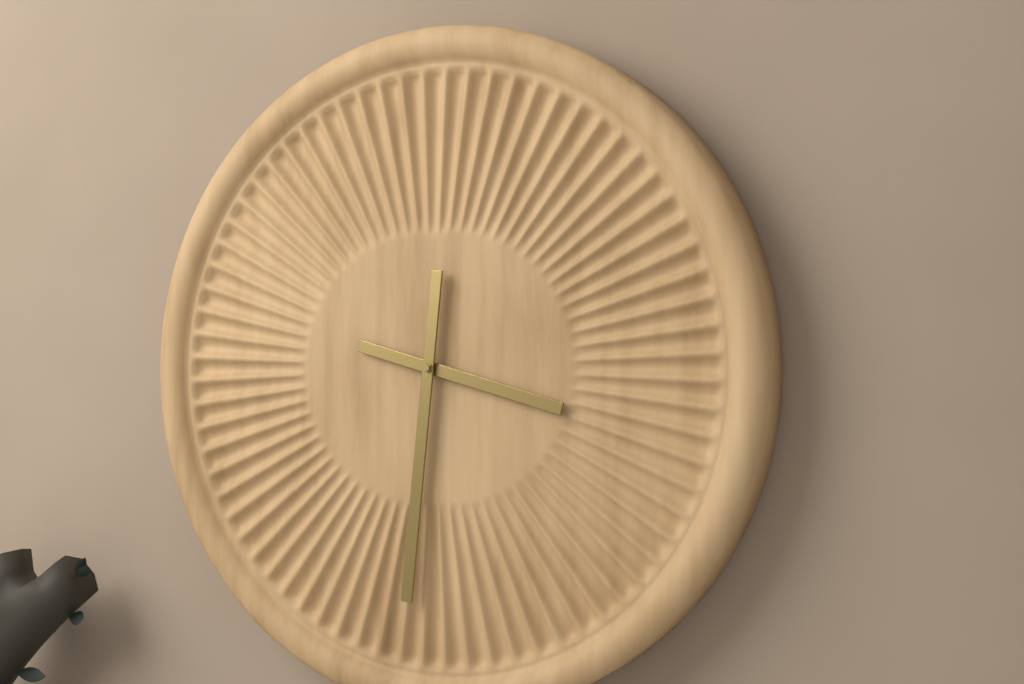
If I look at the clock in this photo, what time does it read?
3:31
